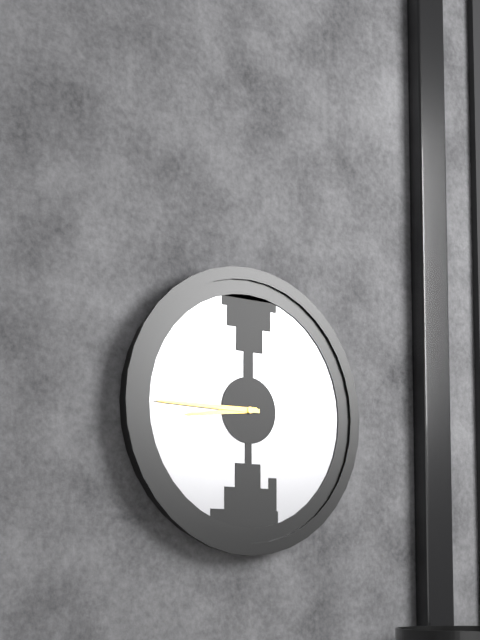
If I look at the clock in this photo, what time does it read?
8:45
